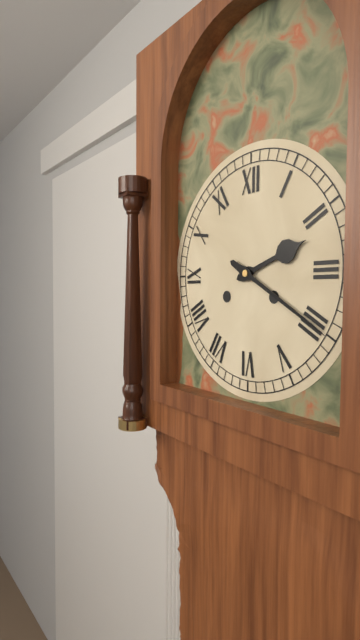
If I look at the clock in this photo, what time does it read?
2:20
